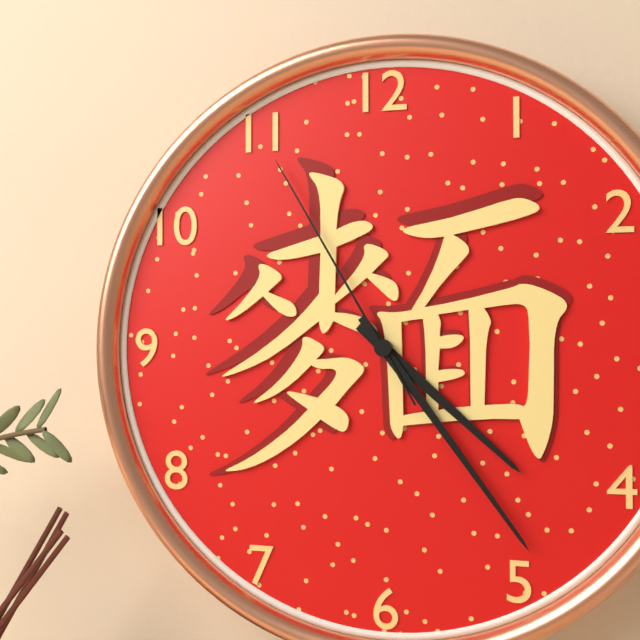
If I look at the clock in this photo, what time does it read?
4:24:55
